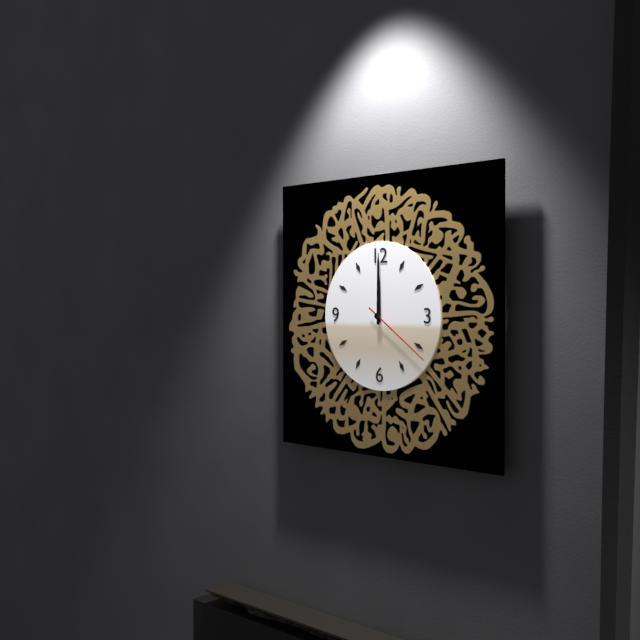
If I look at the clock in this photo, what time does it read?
12:00:21
